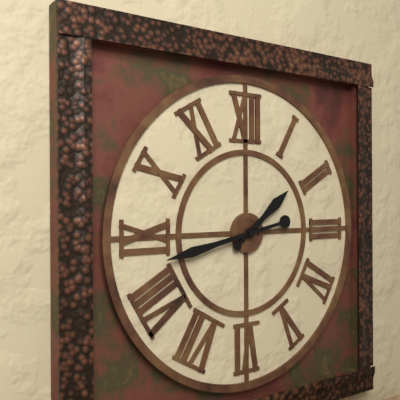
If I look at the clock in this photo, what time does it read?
1:43
